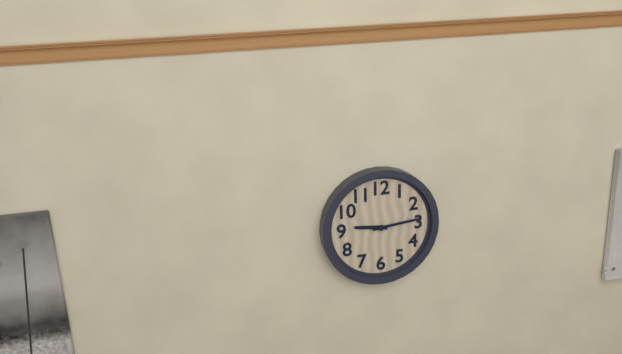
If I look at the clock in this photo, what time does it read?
9:14
